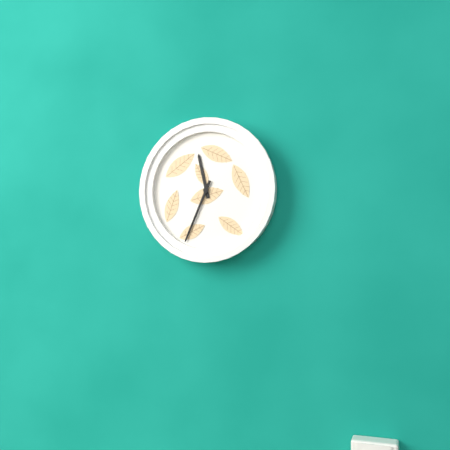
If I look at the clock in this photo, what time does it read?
11:34
